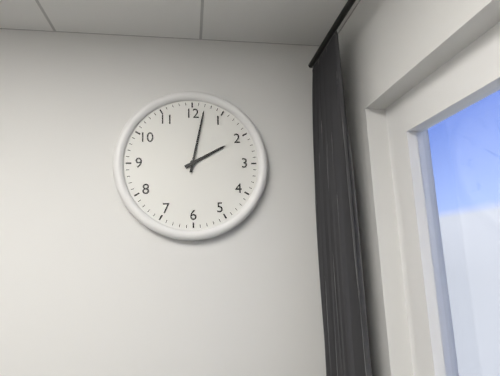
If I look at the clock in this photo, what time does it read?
2:02
